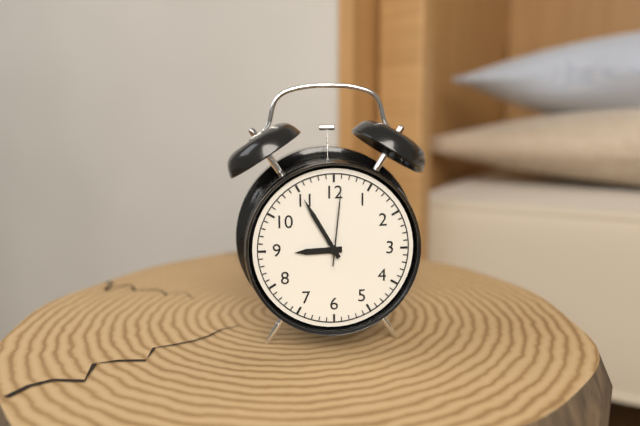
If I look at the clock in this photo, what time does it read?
8:55:01
